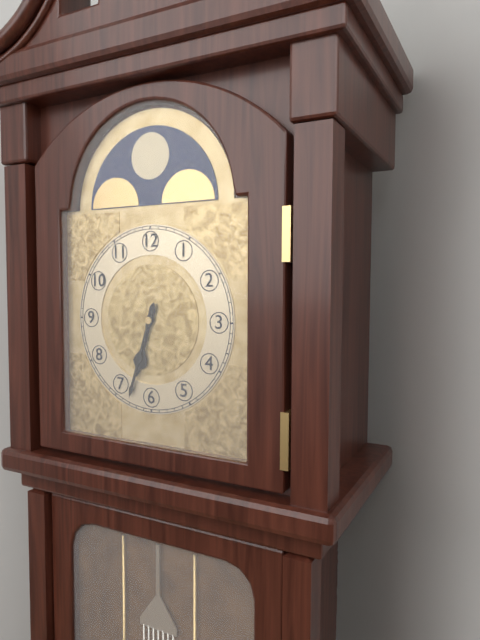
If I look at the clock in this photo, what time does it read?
6:33
